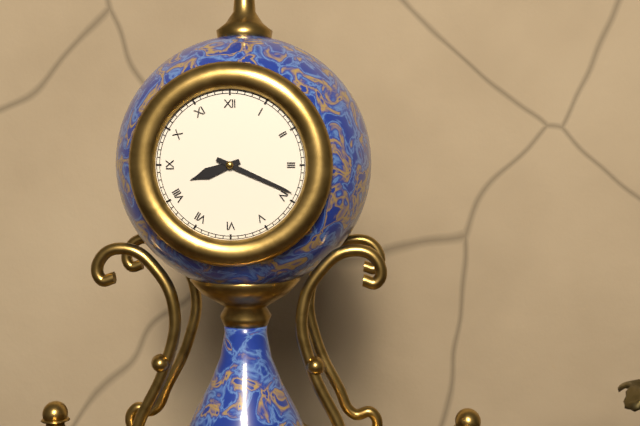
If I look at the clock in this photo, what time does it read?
8:19
